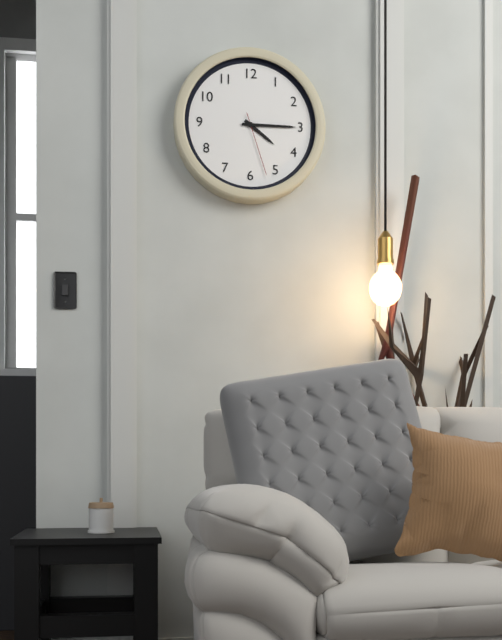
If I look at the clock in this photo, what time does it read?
4:15:27
